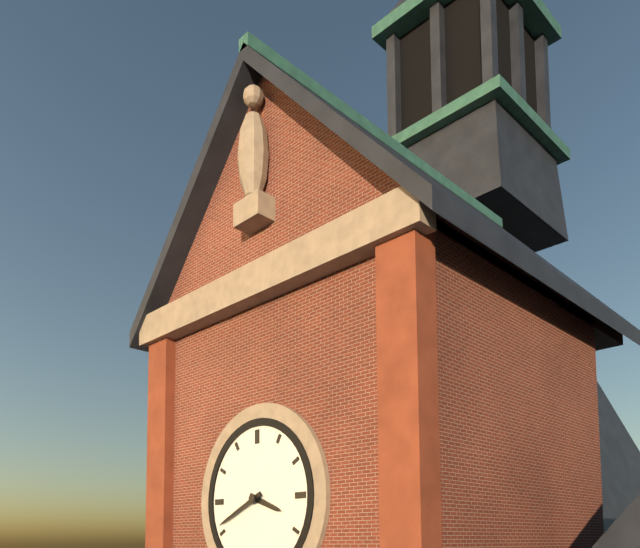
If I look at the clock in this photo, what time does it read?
3:41
